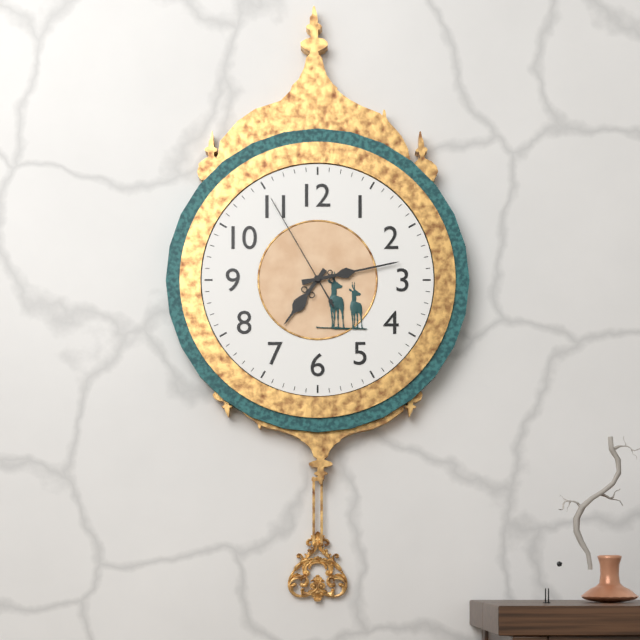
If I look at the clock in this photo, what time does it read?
7:13:55
